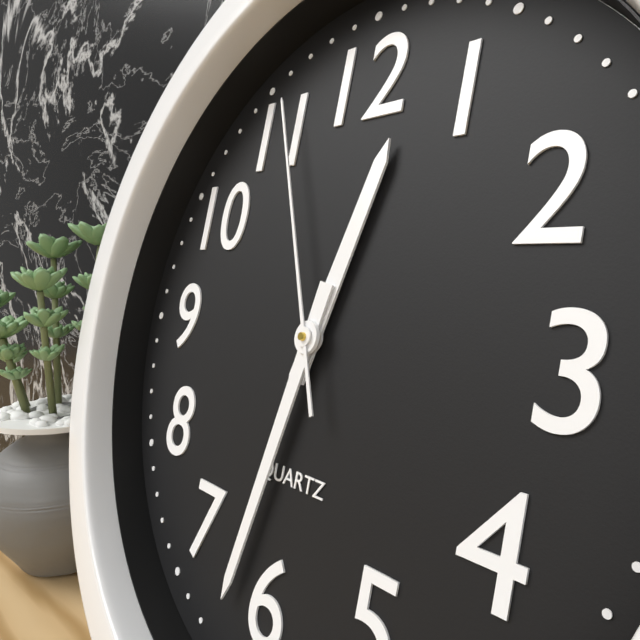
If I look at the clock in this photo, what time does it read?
12:32:56
